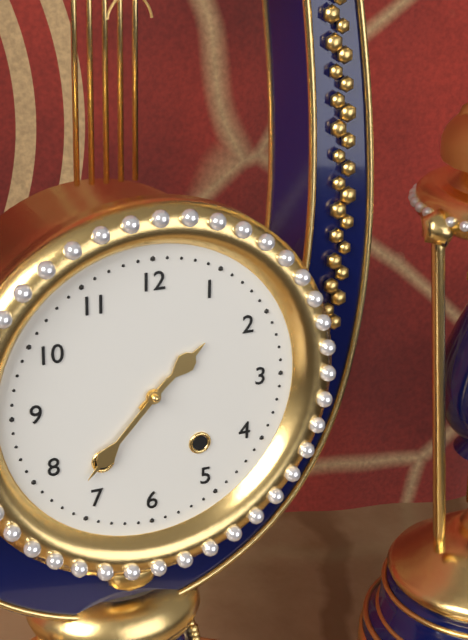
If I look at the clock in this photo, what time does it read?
1:37
